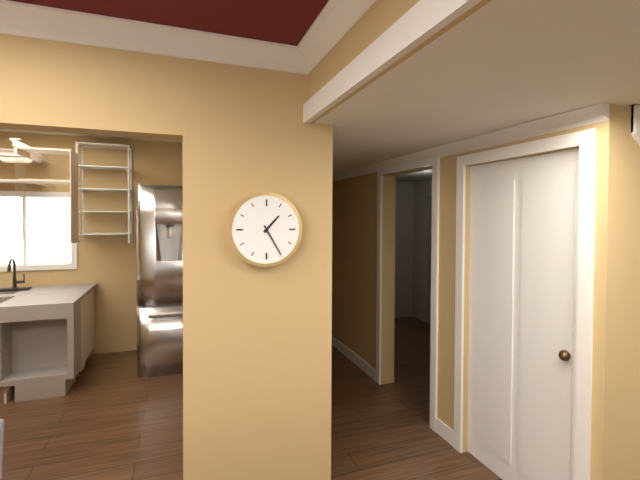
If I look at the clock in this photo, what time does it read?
1:25
